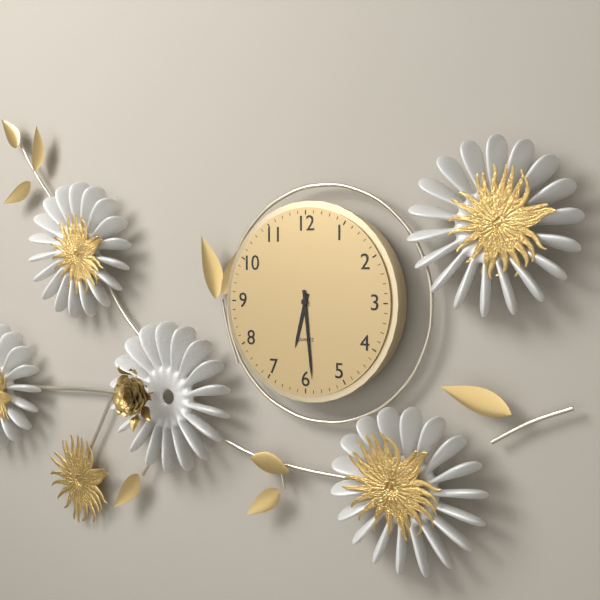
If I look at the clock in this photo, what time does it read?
6:29
